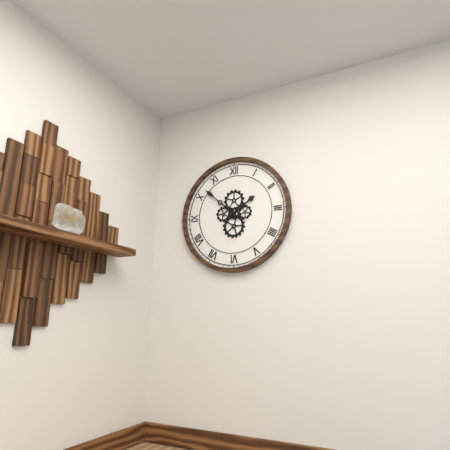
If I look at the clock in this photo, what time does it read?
1:52
